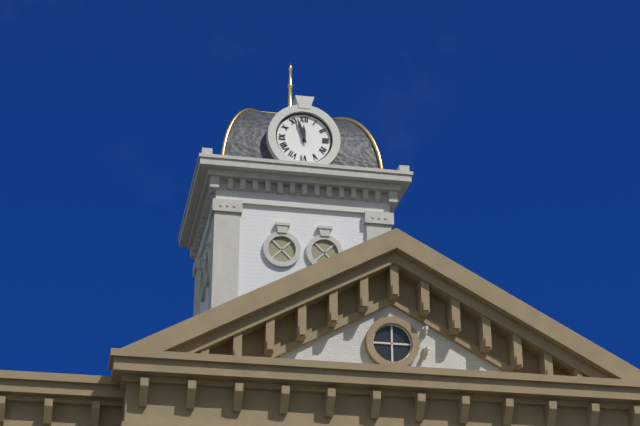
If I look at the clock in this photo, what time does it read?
11:57
